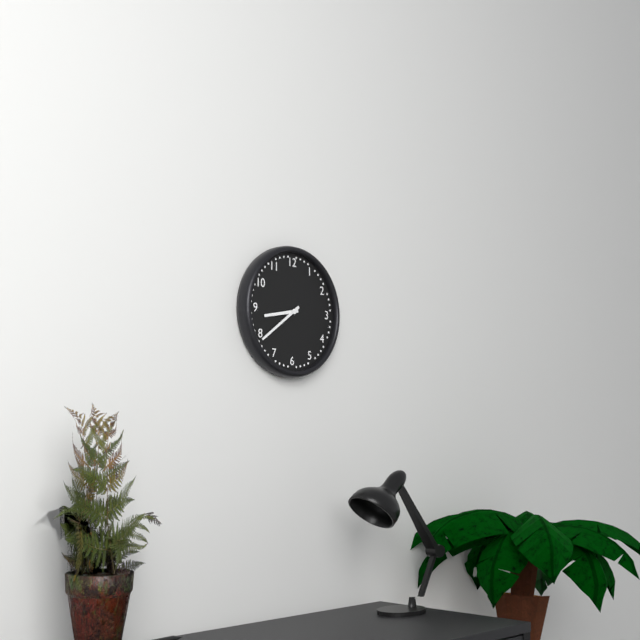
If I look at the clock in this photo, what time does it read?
8:39
